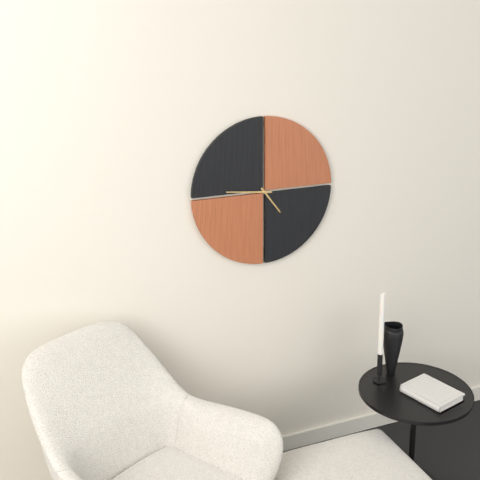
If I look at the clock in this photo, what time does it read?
4:46
